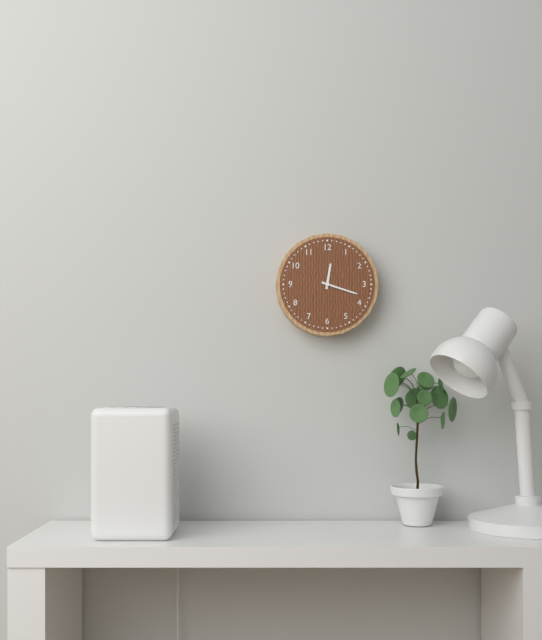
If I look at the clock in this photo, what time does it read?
12:18
